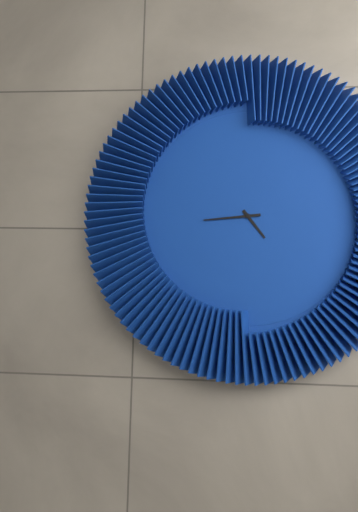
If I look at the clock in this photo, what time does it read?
4:44
